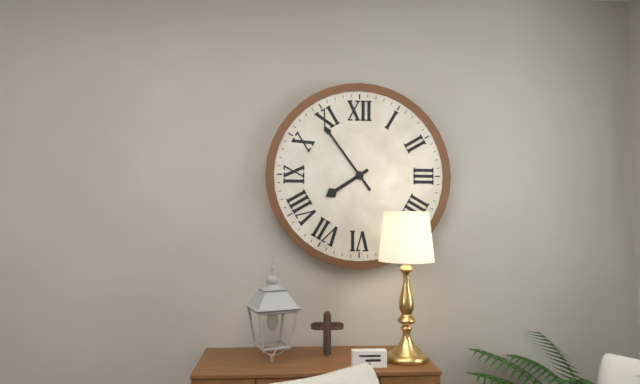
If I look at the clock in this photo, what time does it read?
7:54
